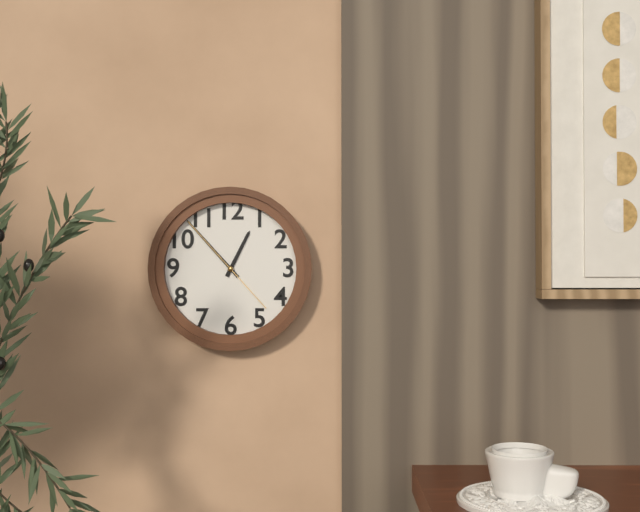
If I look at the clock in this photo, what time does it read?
12:53:53
